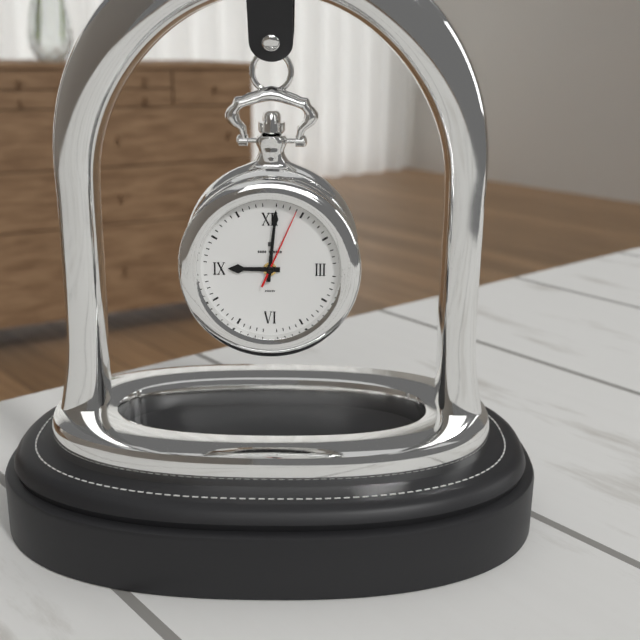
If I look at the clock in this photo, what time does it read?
9:01:04
